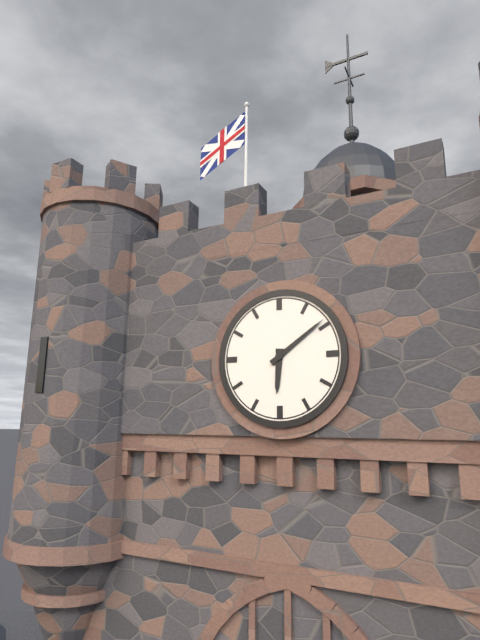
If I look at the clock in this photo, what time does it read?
6:09
